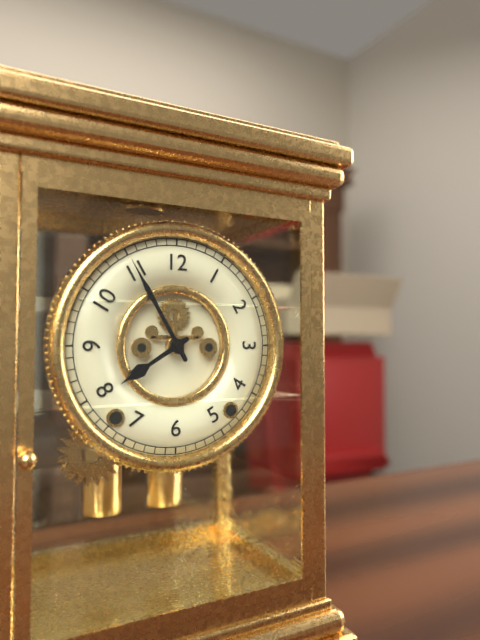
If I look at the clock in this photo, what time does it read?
7:55
